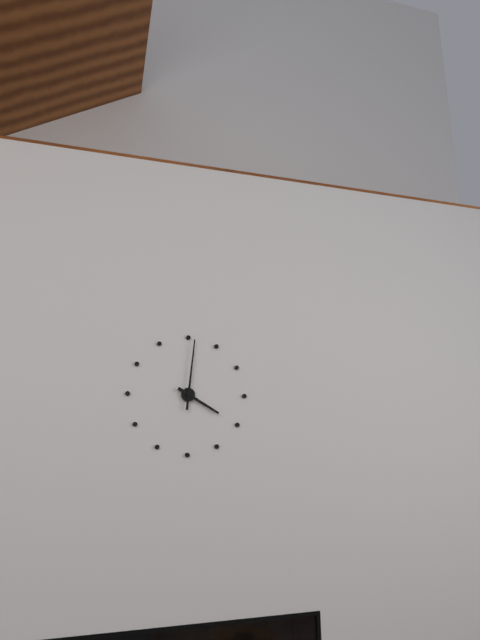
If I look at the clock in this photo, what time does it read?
4:01
